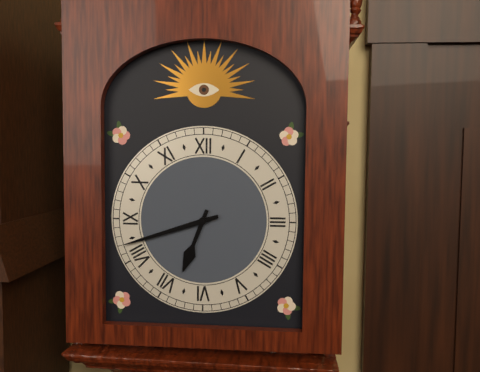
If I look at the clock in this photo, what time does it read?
6:42
